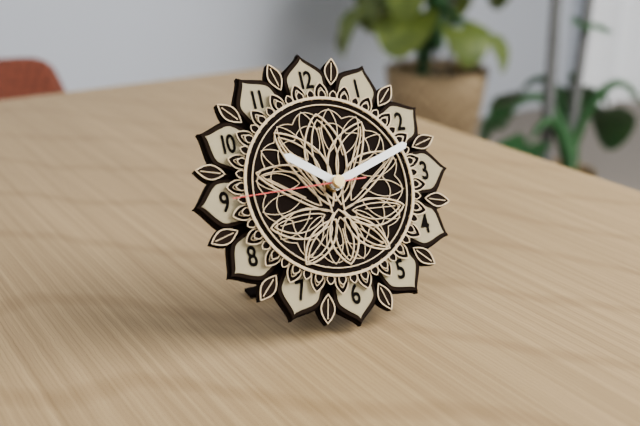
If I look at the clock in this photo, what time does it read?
10:12:45
